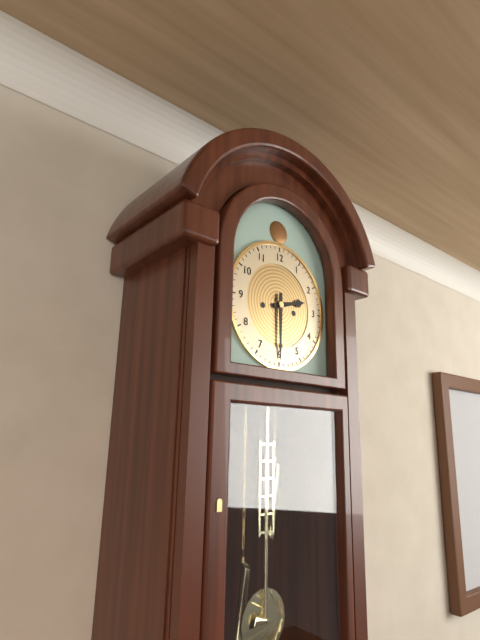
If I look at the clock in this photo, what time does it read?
2:30
